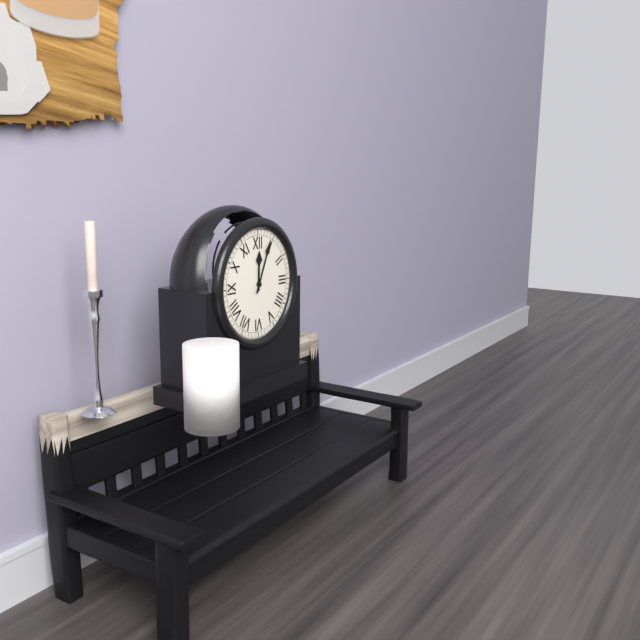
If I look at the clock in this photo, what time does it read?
12:04
